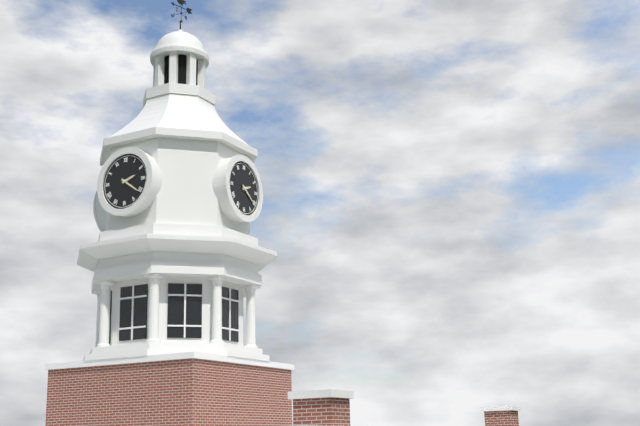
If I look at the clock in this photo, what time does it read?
2:21
